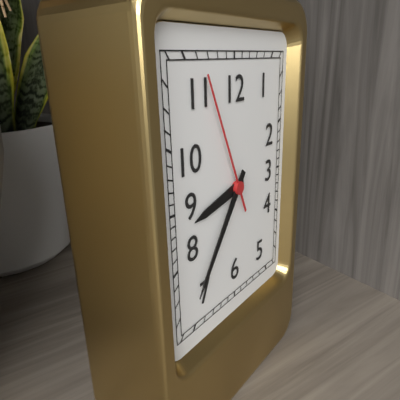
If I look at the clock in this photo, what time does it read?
8:36:56
